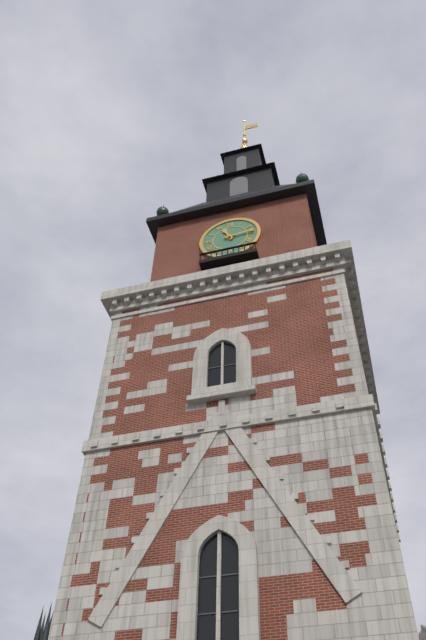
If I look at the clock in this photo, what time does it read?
11:14
